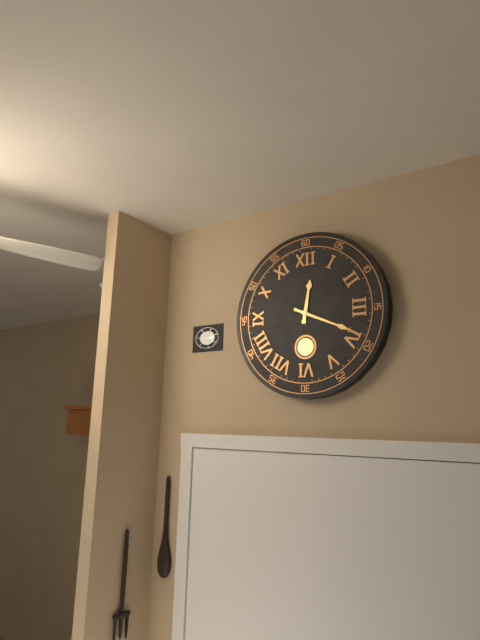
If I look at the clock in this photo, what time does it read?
12:19
